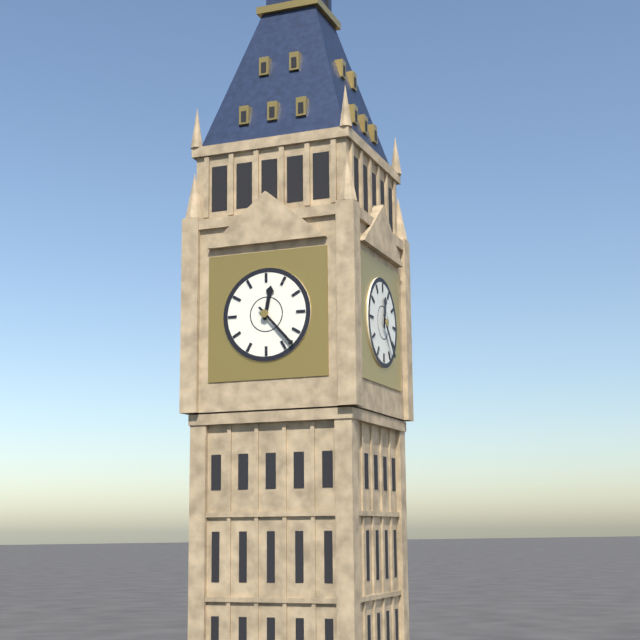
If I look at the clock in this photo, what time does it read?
12:23
